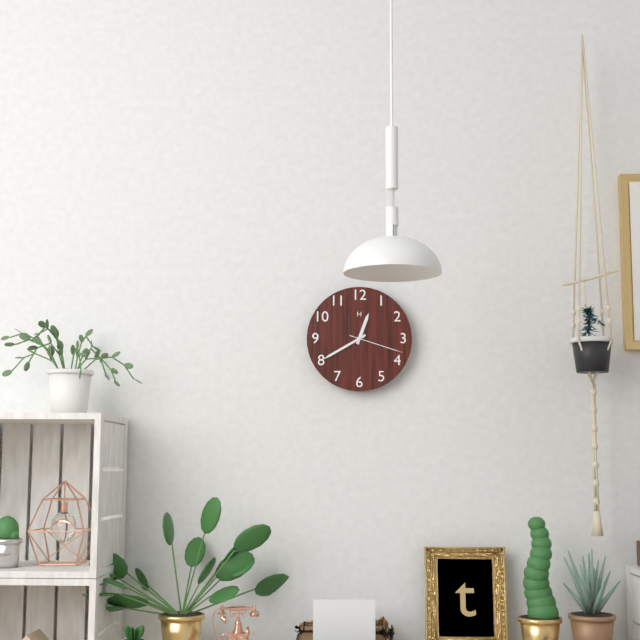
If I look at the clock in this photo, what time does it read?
12:40:18
